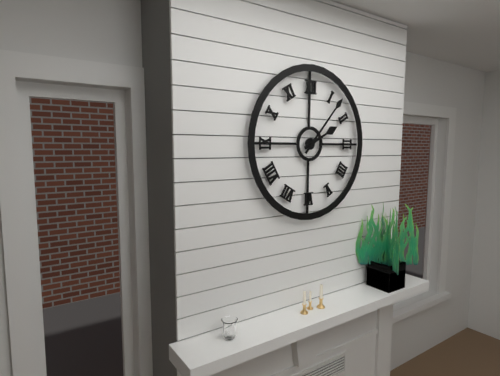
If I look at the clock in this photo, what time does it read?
2:07
